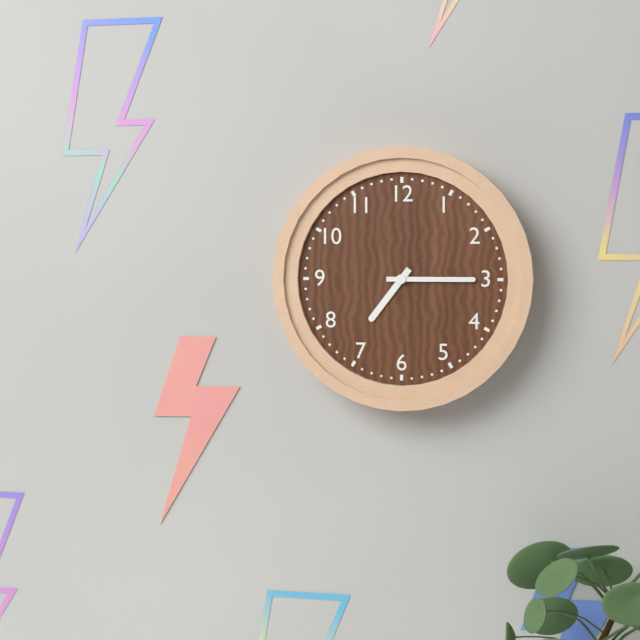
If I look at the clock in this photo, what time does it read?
7:15
